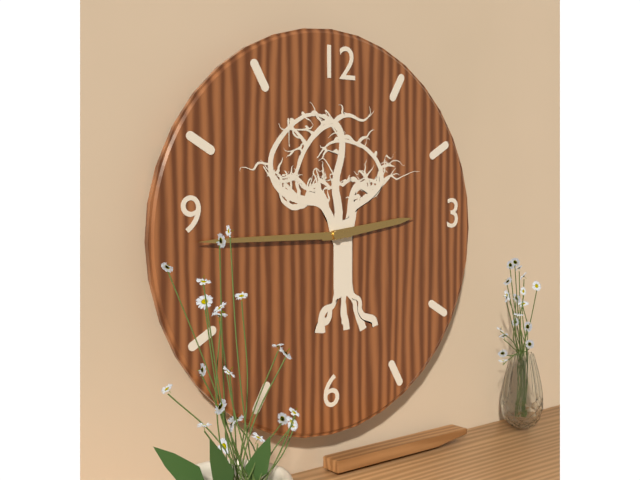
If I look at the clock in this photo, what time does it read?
2:45
